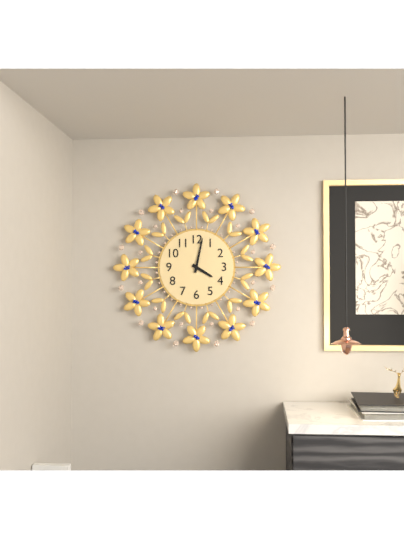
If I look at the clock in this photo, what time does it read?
4:02
